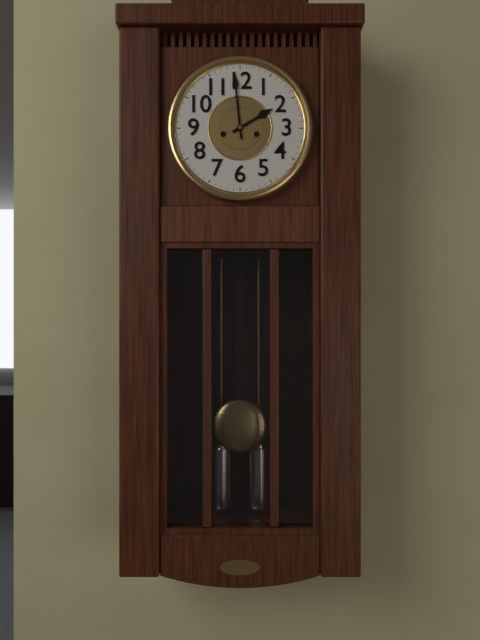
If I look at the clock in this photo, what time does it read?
1:59
